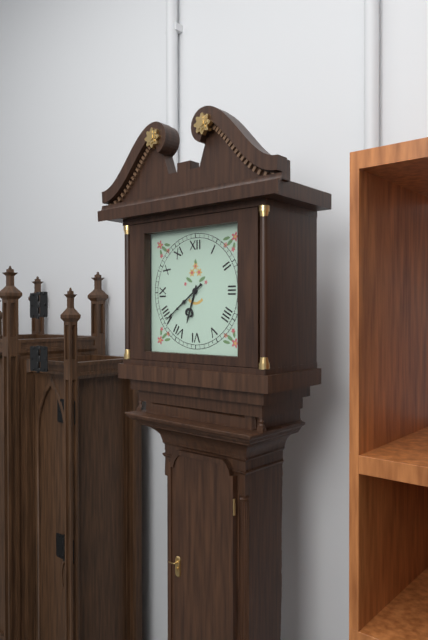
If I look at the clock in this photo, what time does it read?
6:39
